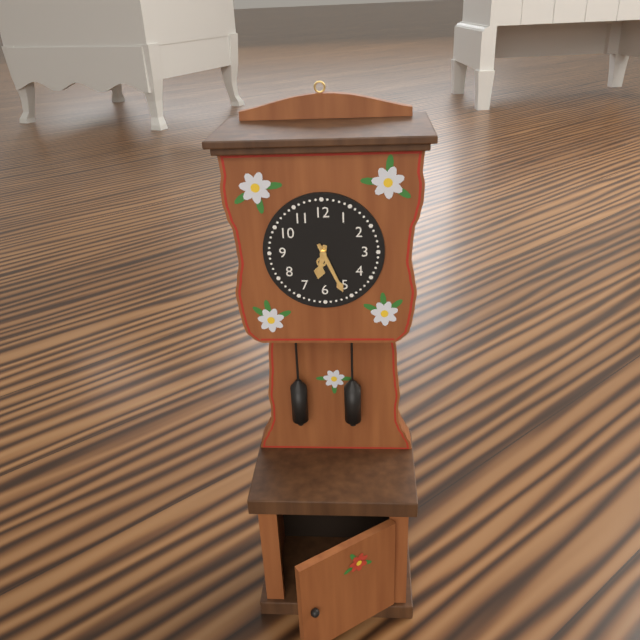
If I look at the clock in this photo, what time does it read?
6:26
